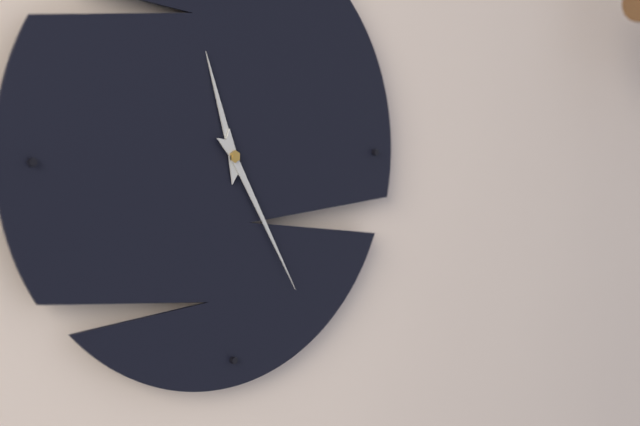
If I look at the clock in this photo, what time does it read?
11:25
